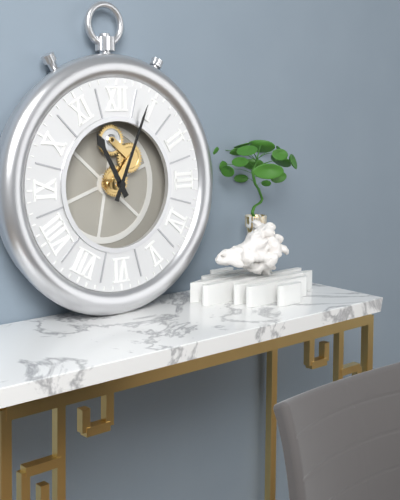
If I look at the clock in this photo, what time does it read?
11:04
